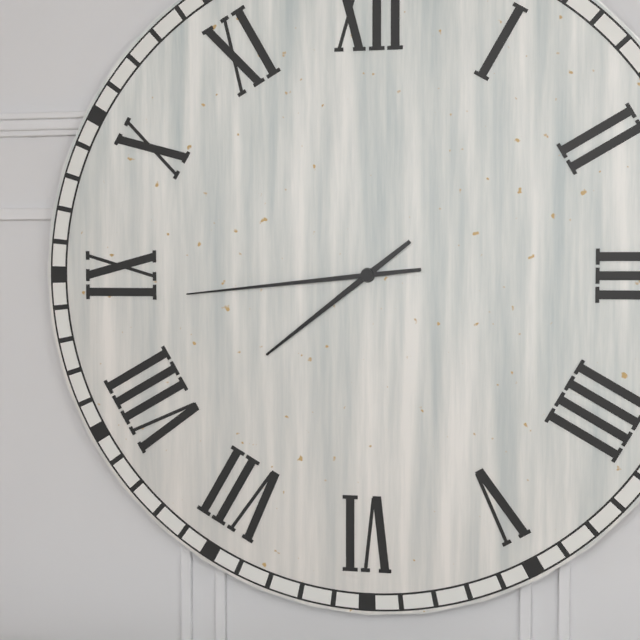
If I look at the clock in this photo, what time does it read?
7:44
